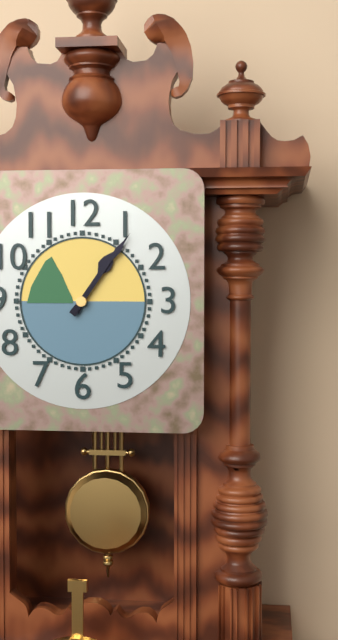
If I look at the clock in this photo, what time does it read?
1:06
